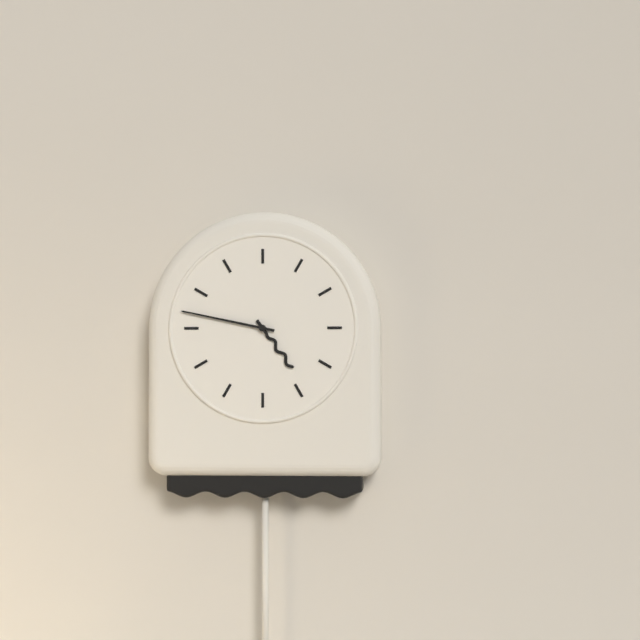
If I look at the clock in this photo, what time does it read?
4:47
